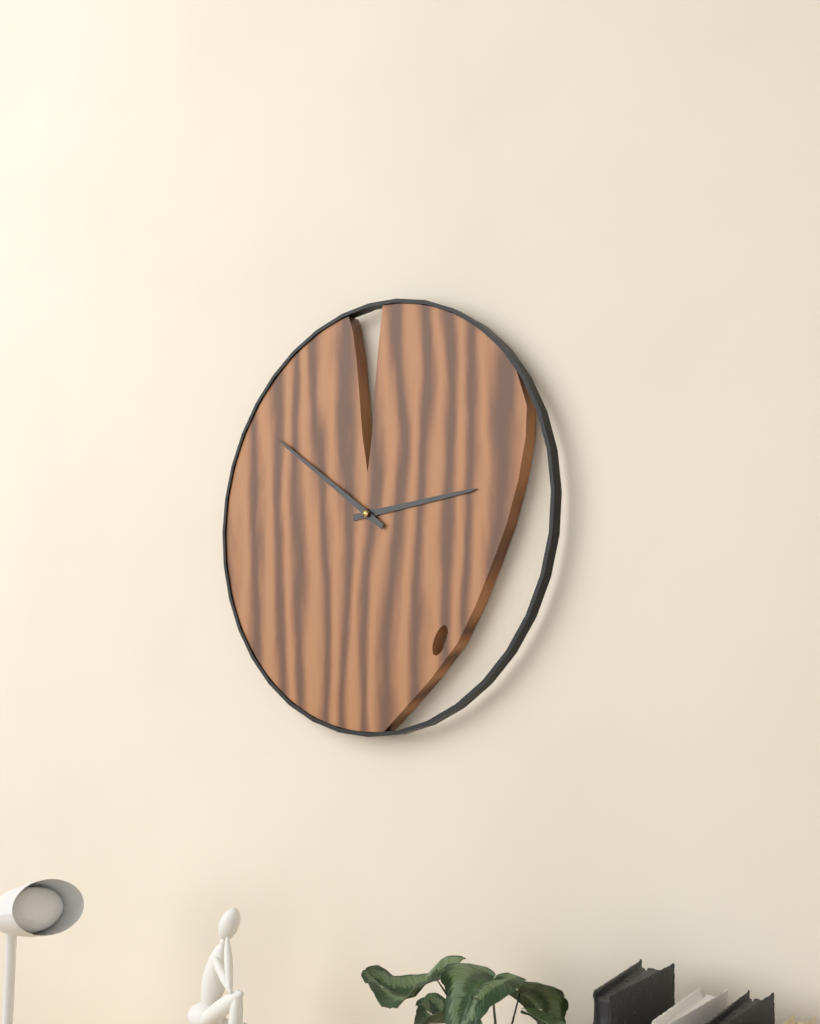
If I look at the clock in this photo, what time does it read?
2:51
